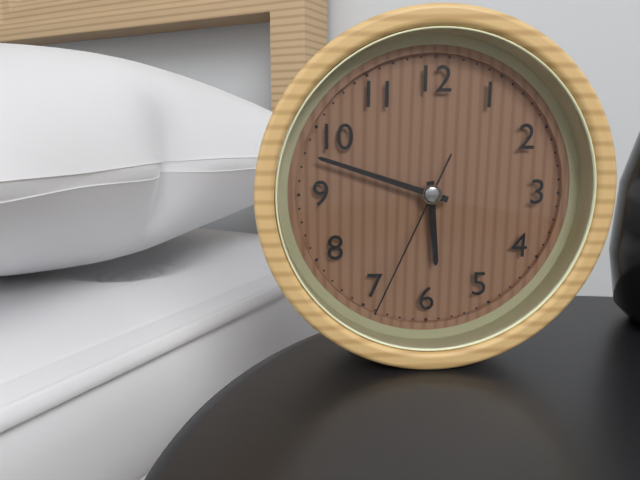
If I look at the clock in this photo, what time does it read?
5:48:34
